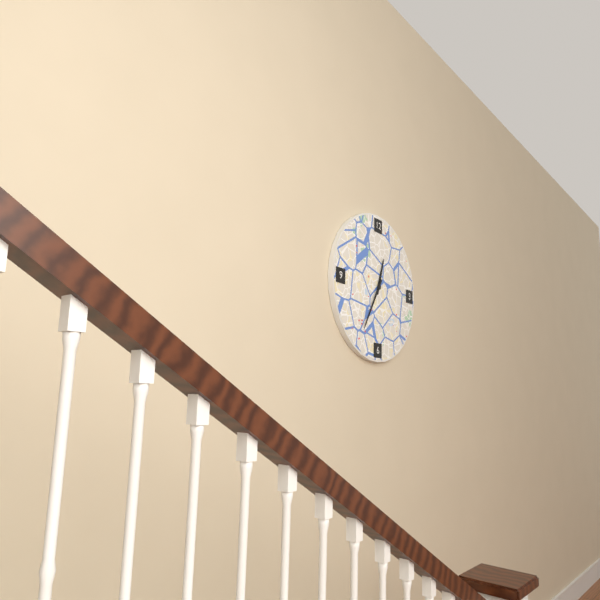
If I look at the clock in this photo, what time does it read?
12:35
